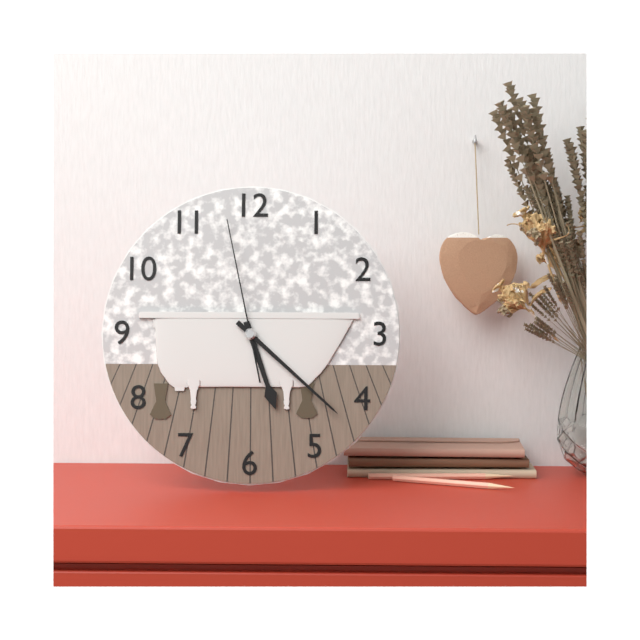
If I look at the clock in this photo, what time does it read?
5:22:58
